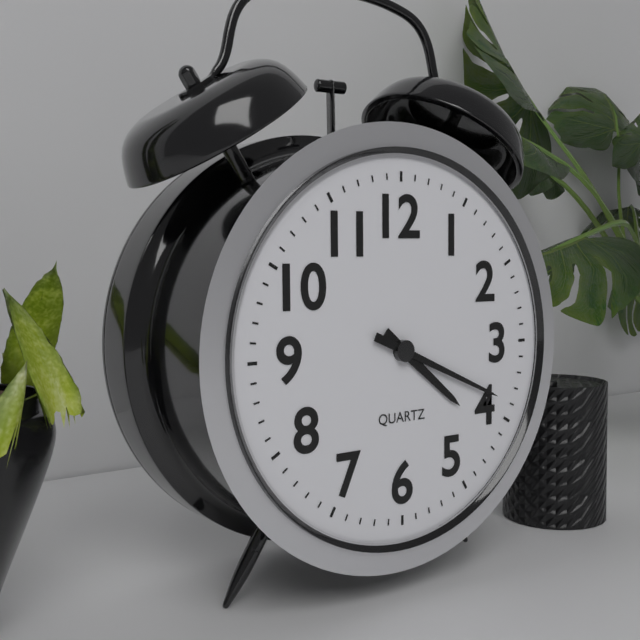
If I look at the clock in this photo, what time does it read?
4:19
